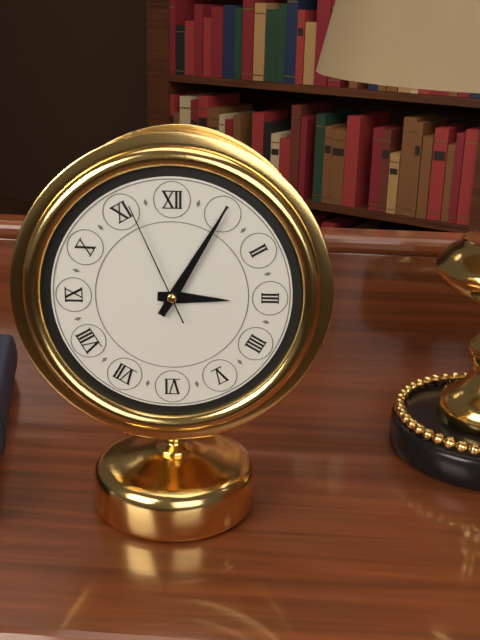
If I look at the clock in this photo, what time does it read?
3:05:56
